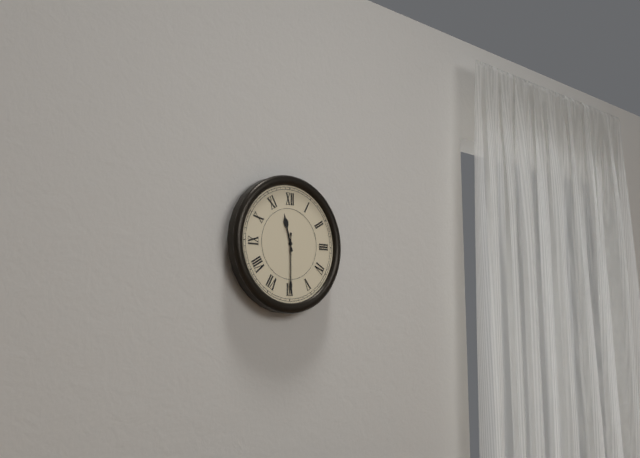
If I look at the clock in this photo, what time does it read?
11:30
